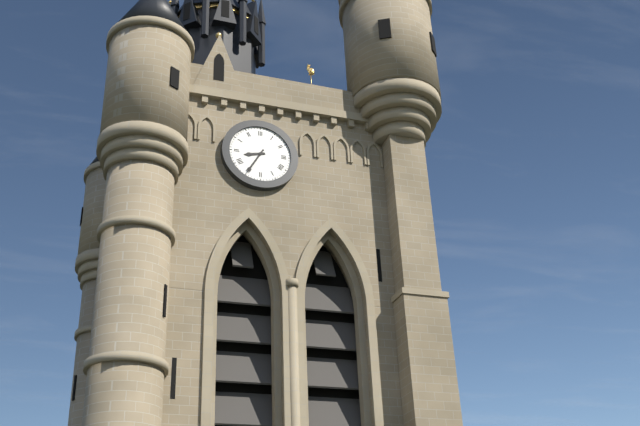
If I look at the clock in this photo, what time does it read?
8:35
